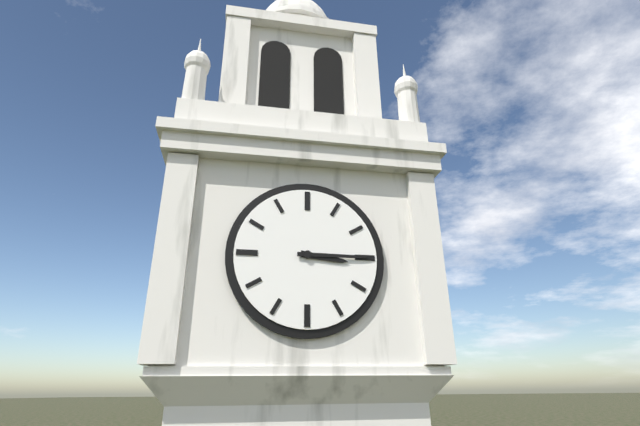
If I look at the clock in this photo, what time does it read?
3:15
